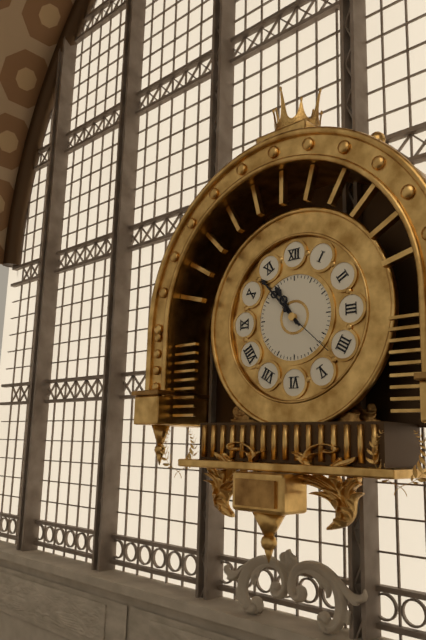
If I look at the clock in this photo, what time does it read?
10:53:22
